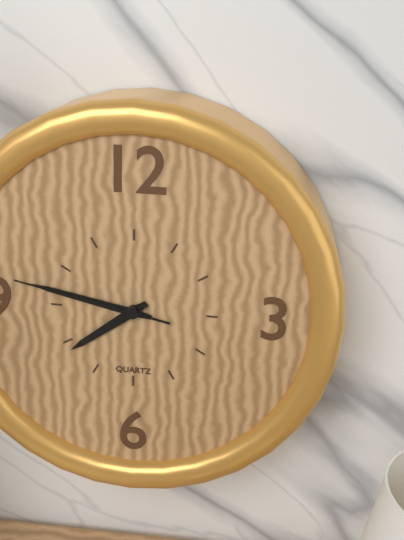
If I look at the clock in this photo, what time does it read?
7:47:47
